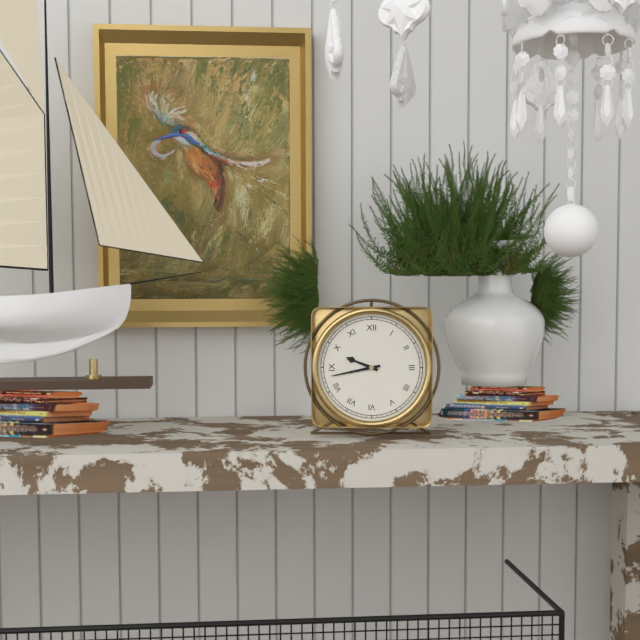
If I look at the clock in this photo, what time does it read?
9:43
